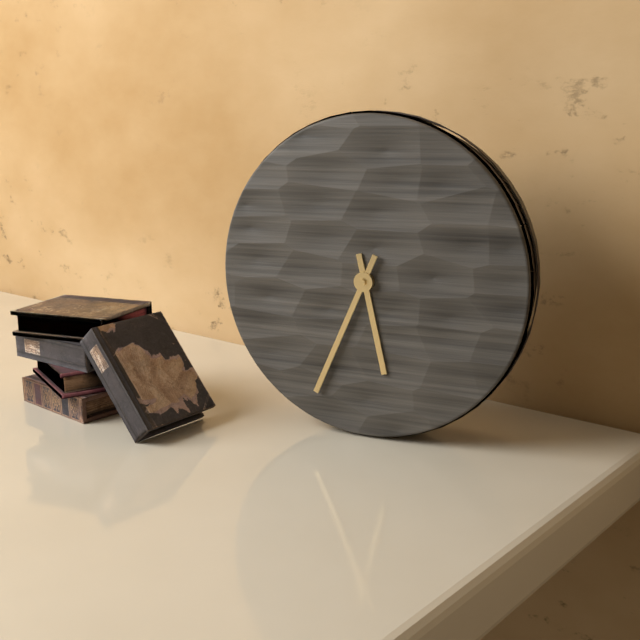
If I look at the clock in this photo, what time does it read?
5:34
